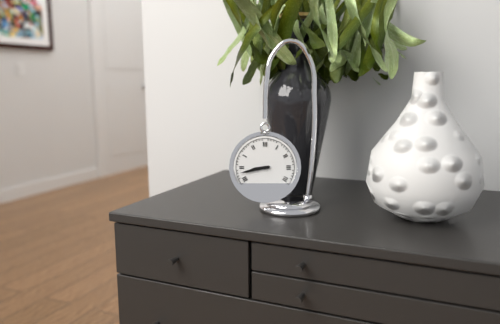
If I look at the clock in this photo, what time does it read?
8:43
